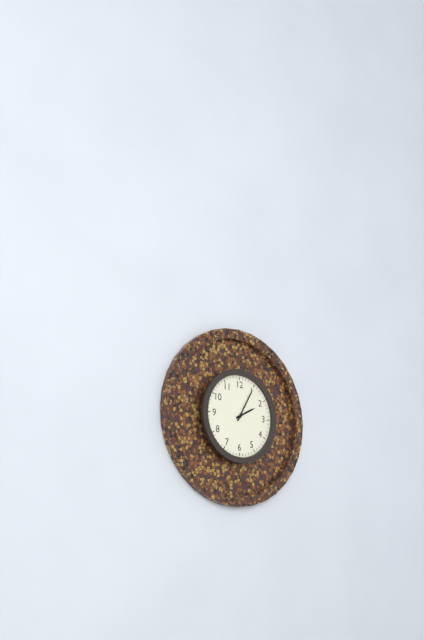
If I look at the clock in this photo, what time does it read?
2:05
